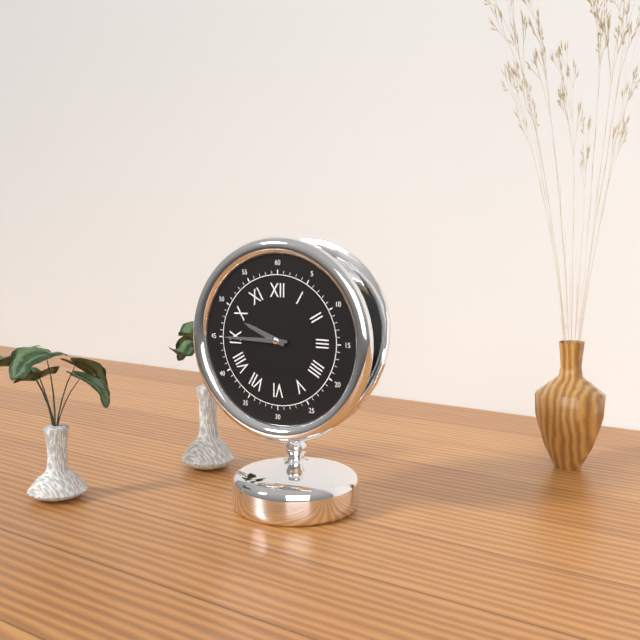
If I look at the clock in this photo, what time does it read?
9:45
